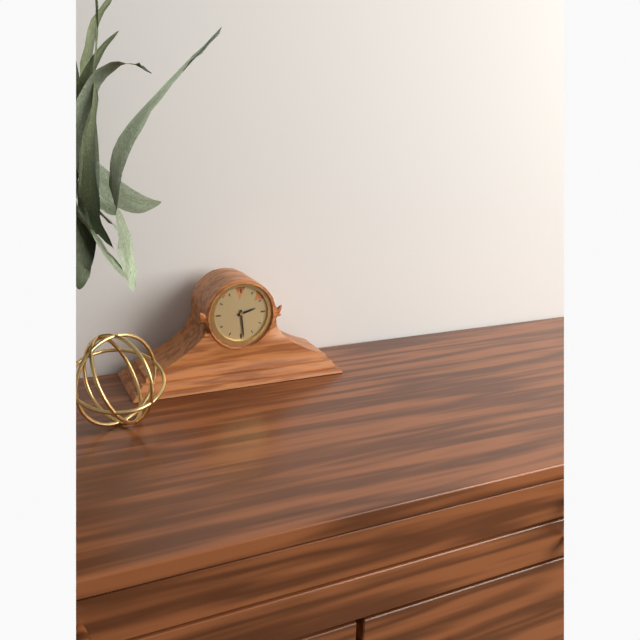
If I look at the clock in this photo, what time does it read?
2:29
